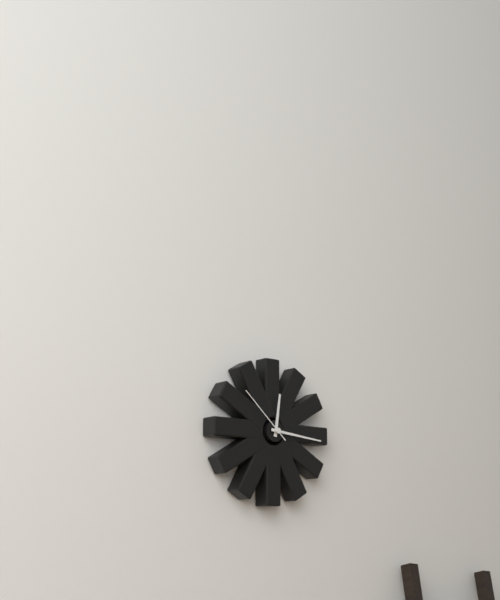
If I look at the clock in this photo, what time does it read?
12:16:52
